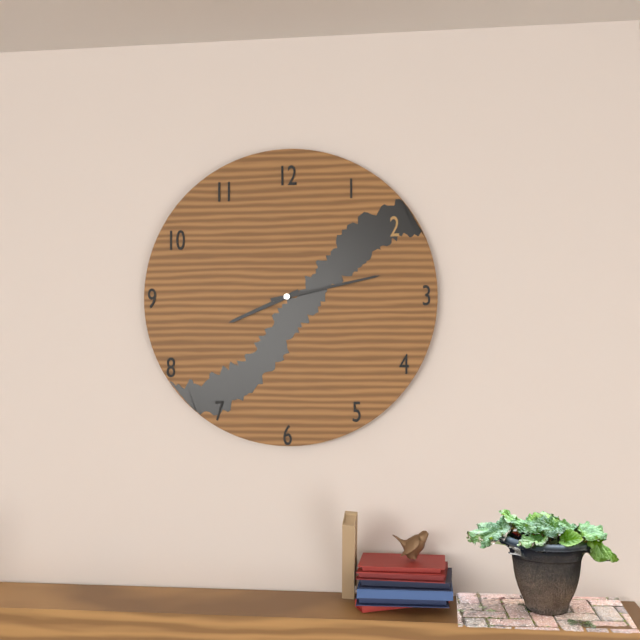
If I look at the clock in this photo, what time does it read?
8:13
